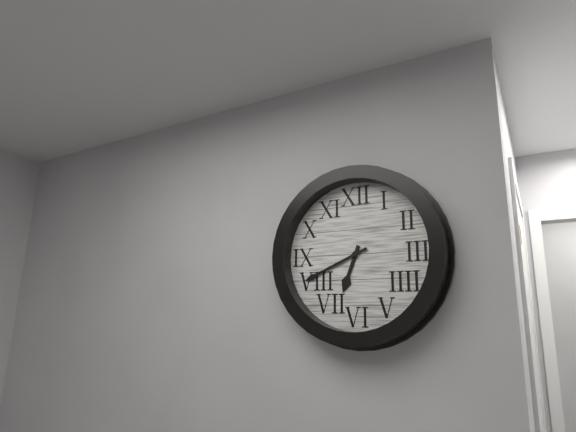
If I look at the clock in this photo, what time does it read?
6:41
